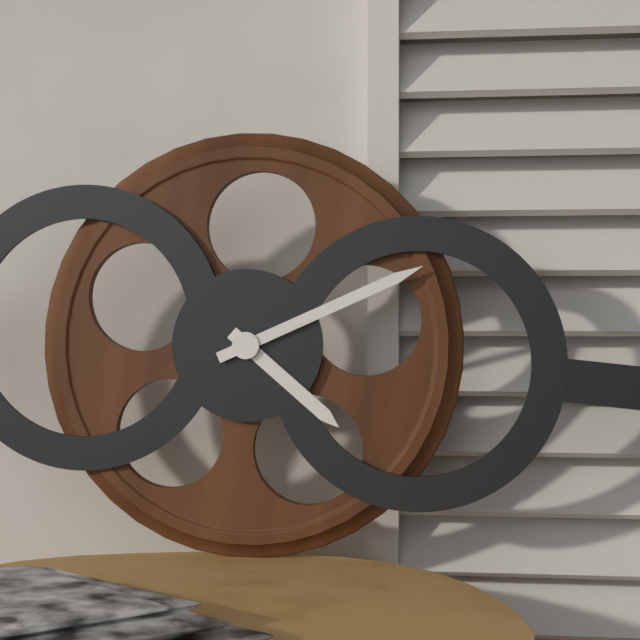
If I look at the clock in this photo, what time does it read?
4:10
